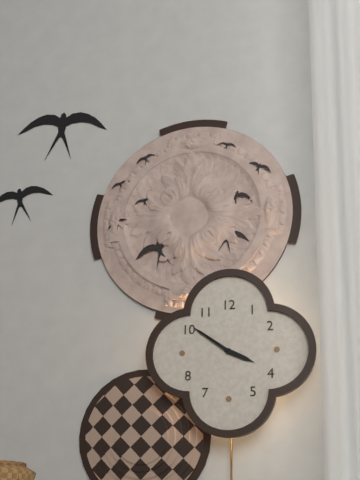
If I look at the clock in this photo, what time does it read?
3:51
